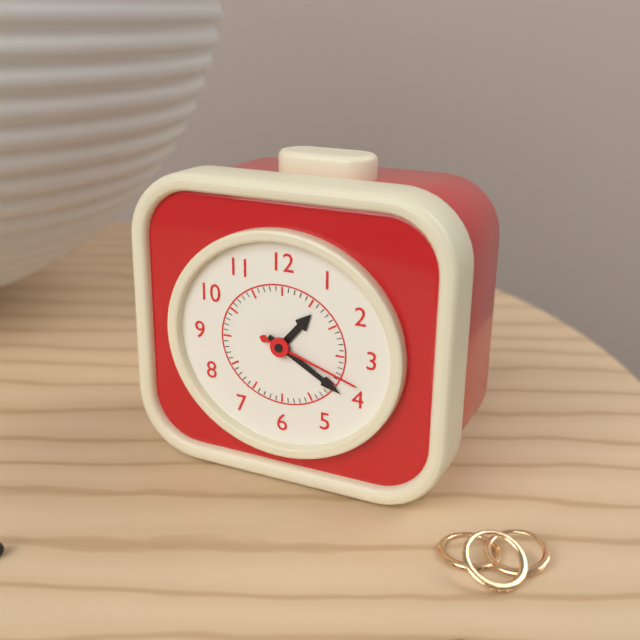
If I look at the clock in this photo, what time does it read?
1:20:18
